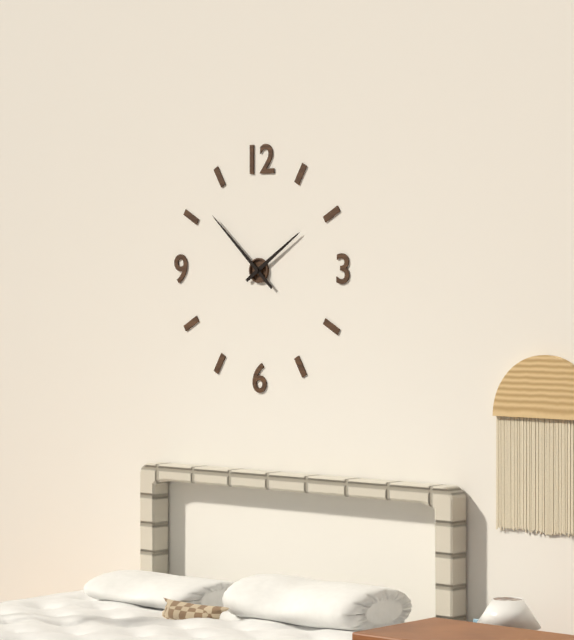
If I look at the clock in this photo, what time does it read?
1:52
